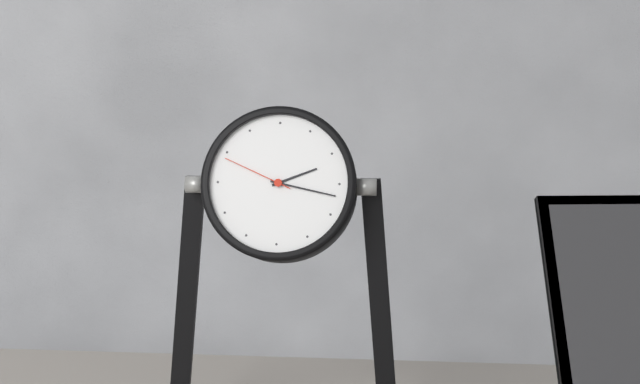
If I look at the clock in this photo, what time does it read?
2:17:49
